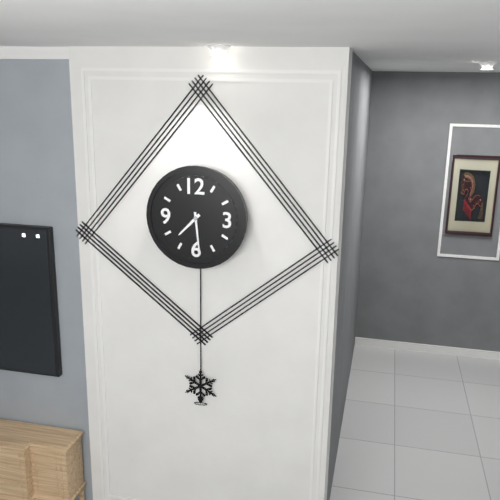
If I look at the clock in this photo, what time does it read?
7:29
